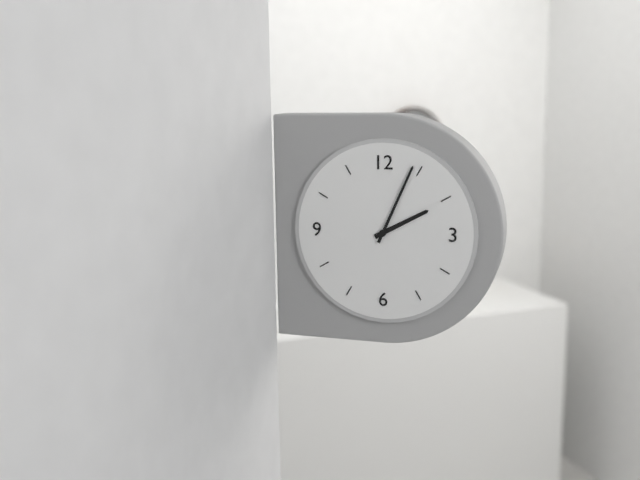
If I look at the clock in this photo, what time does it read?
2:04
